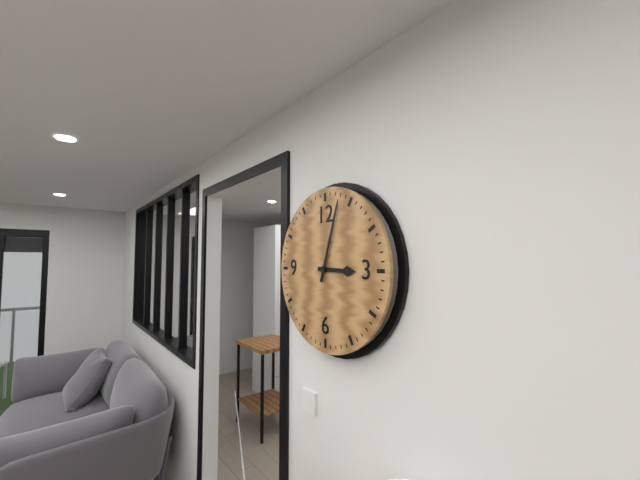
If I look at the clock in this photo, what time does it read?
3:03
